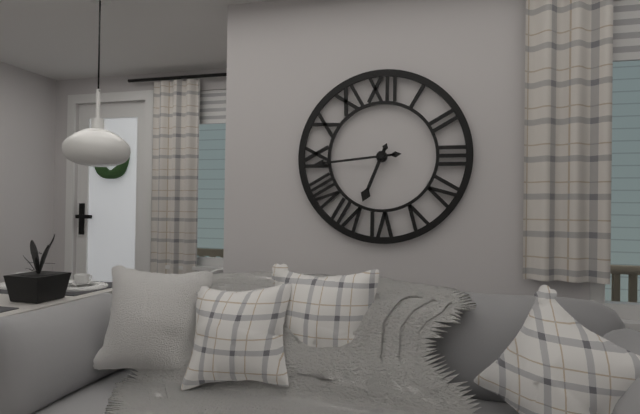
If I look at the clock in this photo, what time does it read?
6:44
